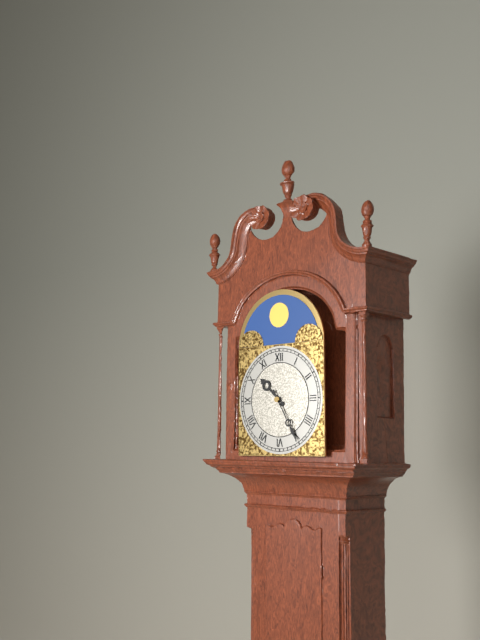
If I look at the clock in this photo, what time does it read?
10:25
